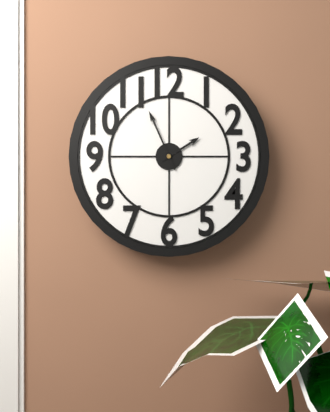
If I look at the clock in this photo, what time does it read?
1:56
